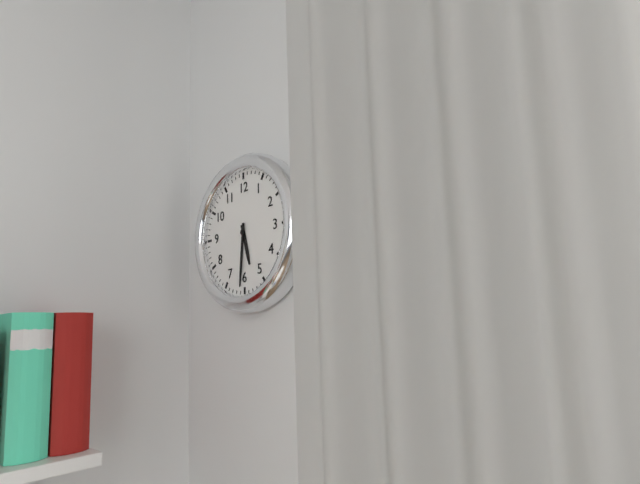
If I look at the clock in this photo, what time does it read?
5:31
